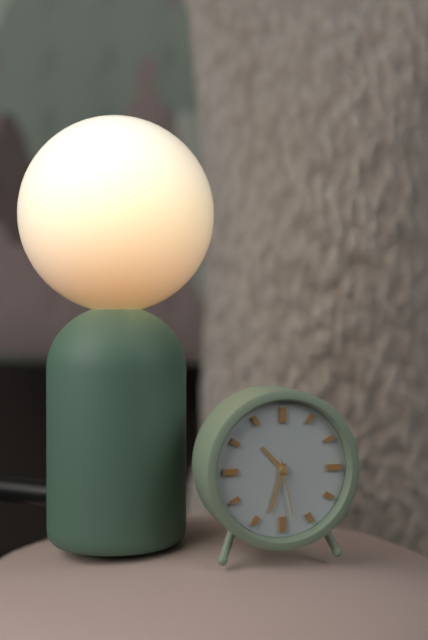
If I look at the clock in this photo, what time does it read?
10:33:28
